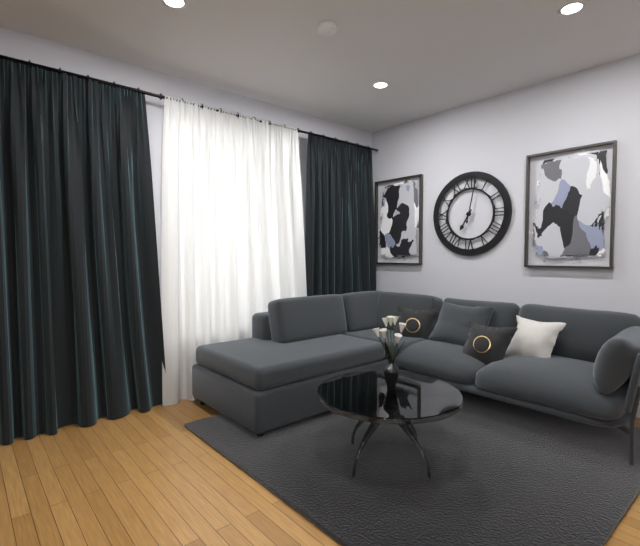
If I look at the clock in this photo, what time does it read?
7:02
